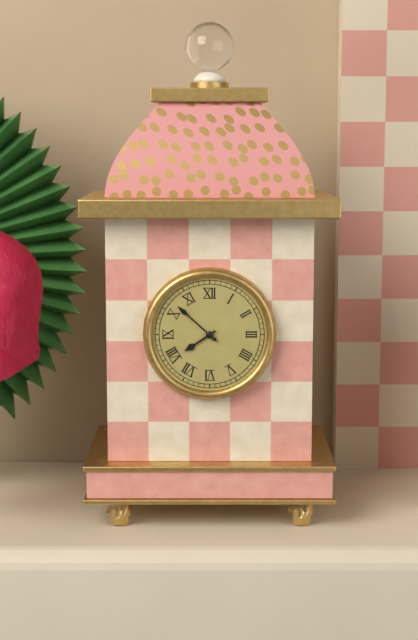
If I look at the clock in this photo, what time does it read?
7:52
